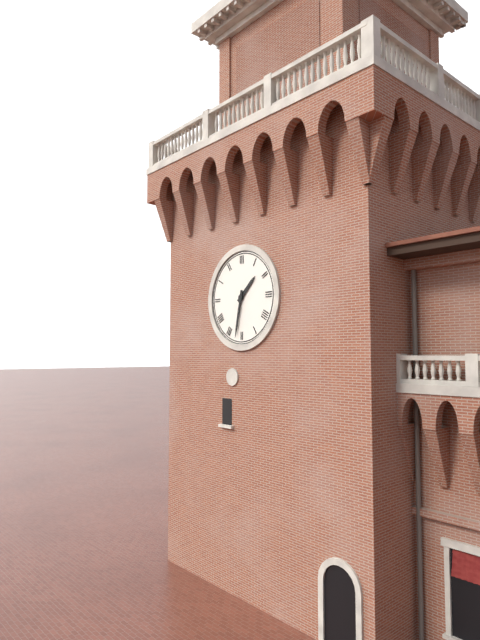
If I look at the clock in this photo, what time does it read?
1:32
